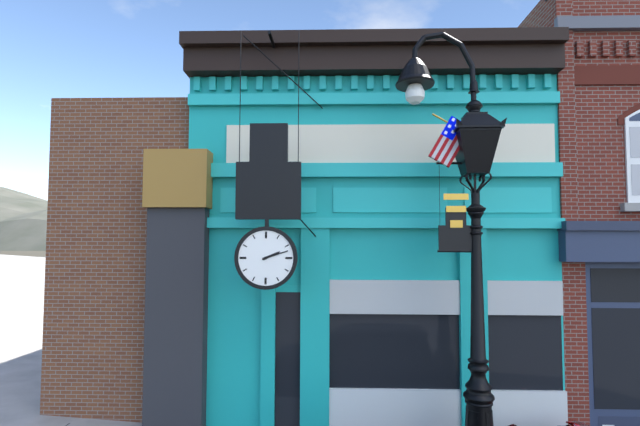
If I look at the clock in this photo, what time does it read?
2:12
